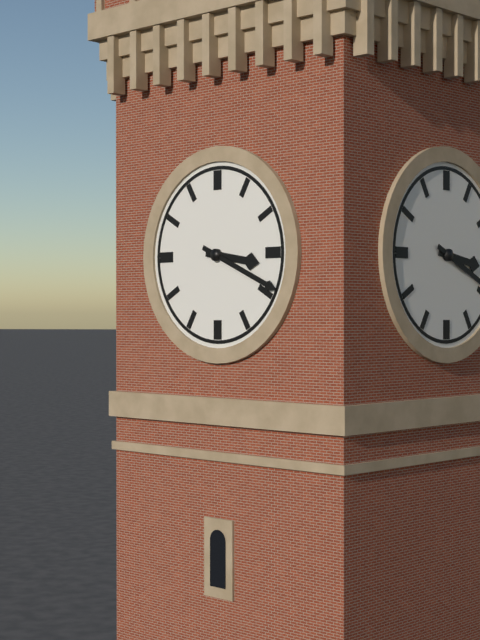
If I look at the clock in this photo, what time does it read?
3:19
